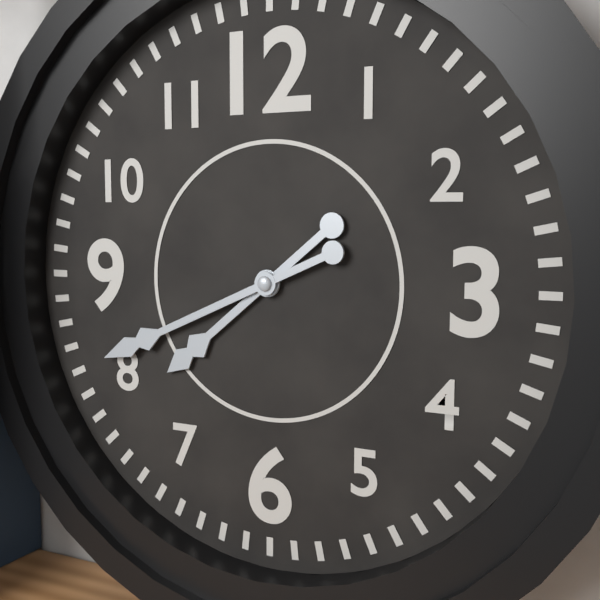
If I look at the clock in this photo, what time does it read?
7:41
